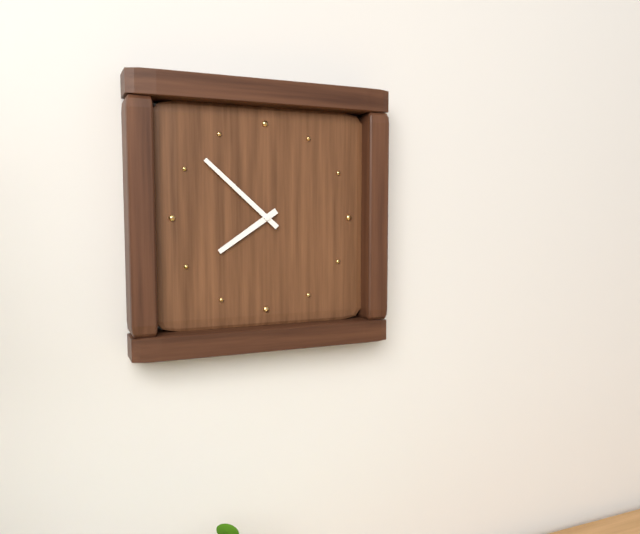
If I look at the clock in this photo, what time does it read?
7:52
